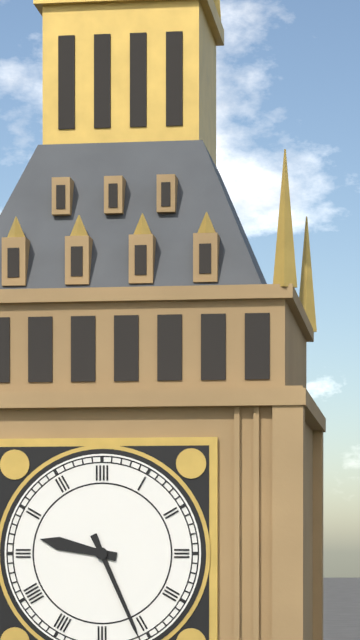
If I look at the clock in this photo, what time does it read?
9:26
